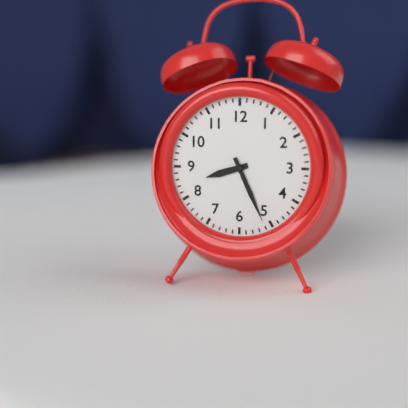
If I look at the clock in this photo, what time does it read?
8:26
